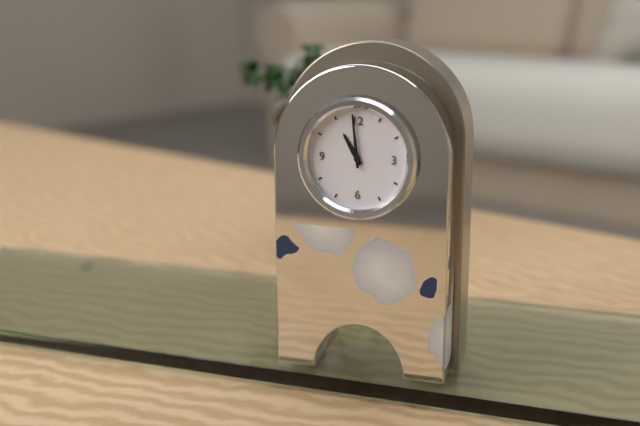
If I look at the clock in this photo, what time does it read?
10:59
